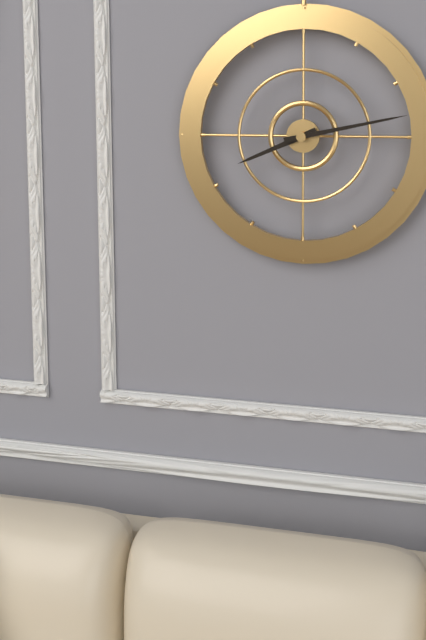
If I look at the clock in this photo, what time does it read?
8:13
